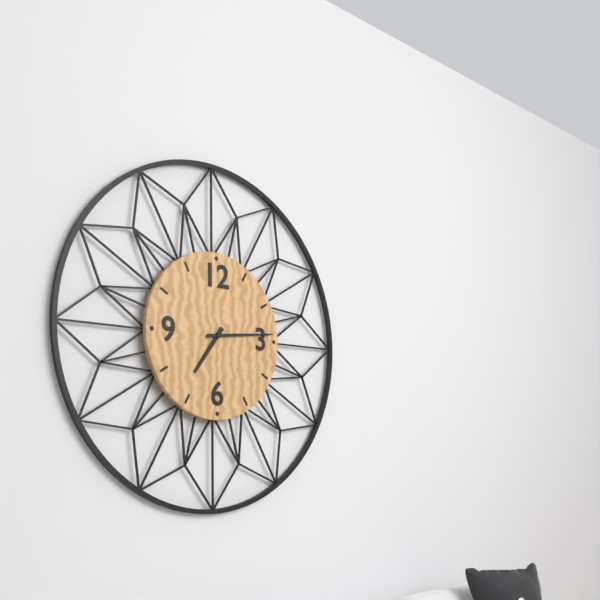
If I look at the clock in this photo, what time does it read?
7:14
